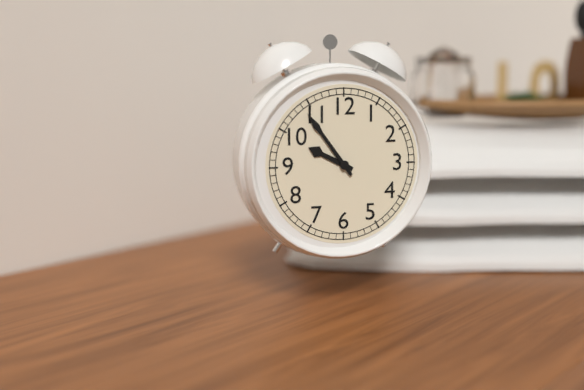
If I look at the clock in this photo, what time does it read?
9:54
